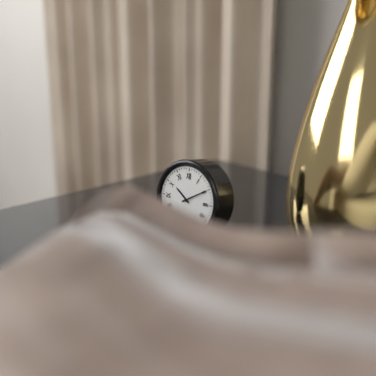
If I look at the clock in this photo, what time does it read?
10:10
